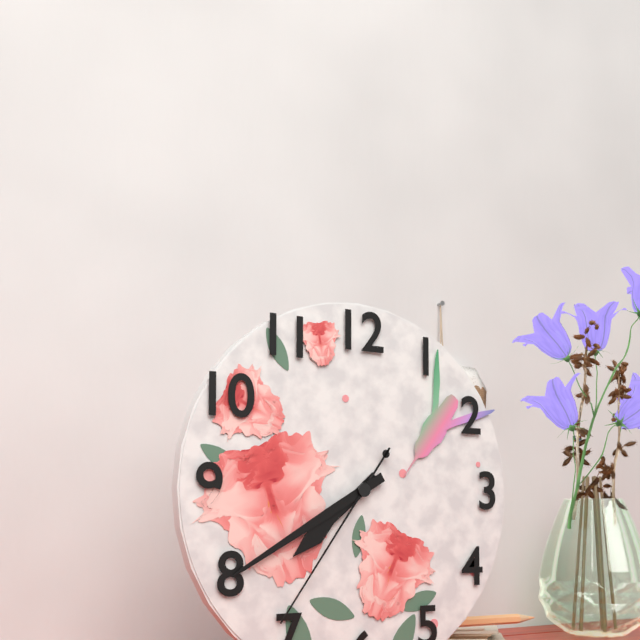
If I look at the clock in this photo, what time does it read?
7:40:36
